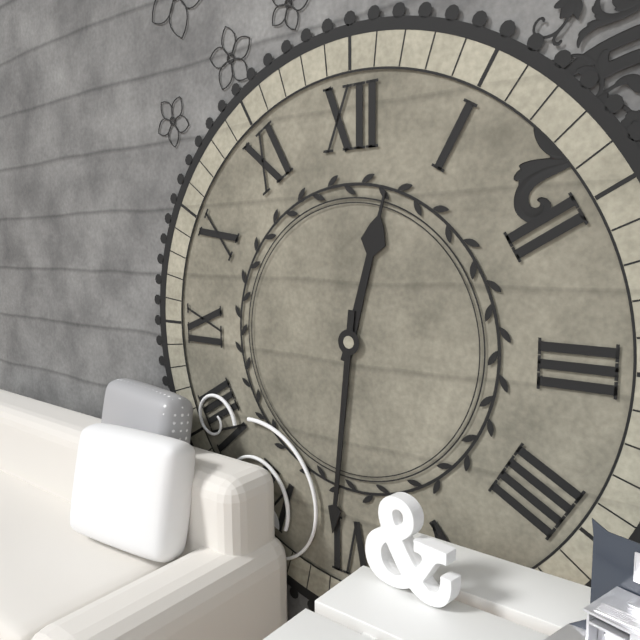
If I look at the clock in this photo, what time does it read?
12:31
